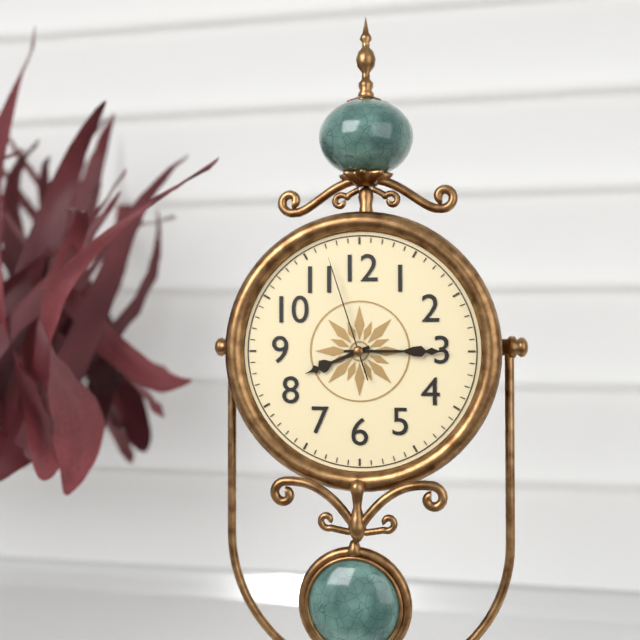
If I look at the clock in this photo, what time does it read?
8:15:57
